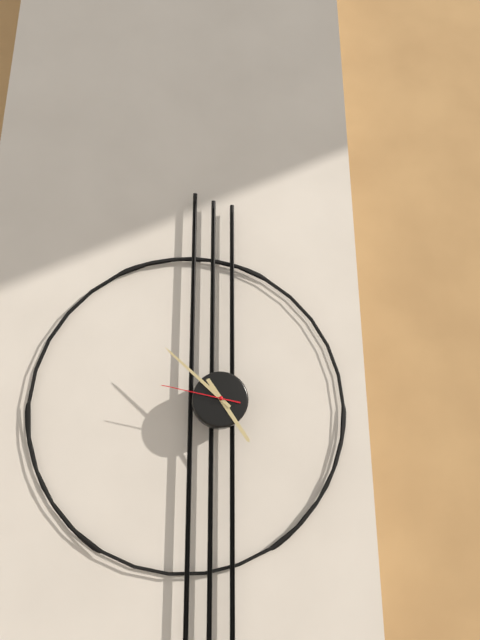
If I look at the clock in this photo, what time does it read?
4:52:47
